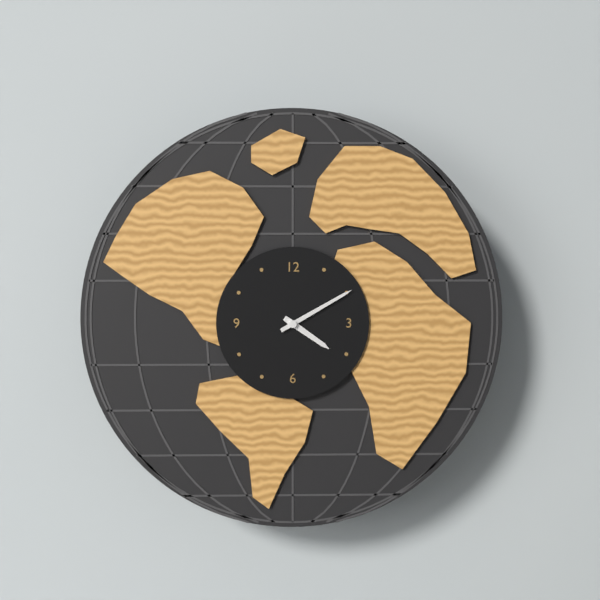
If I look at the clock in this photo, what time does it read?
4:10
